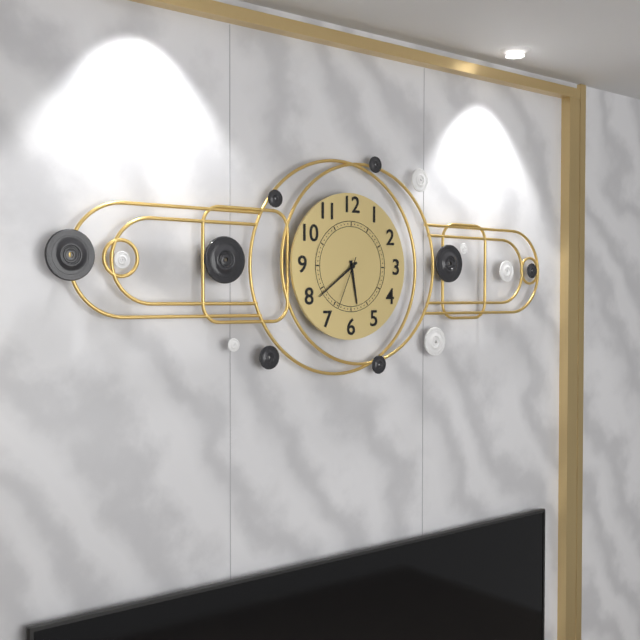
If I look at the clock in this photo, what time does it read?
5:39:34
